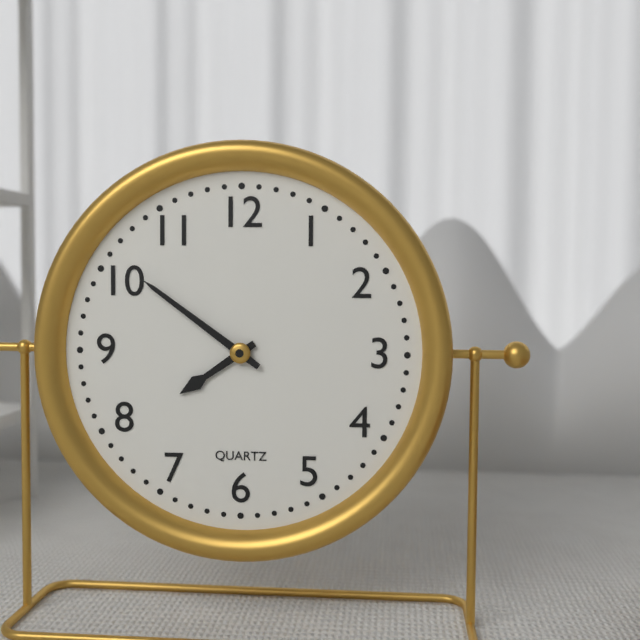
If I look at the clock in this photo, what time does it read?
7:51
